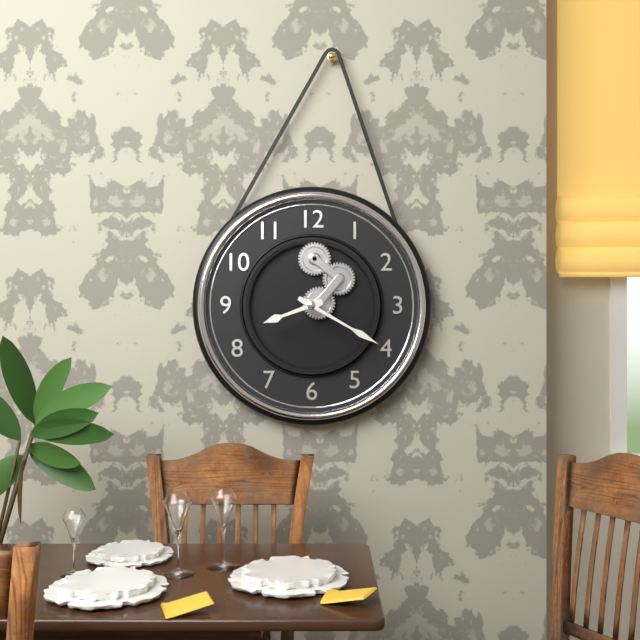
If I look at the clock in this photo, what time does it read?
8:20
